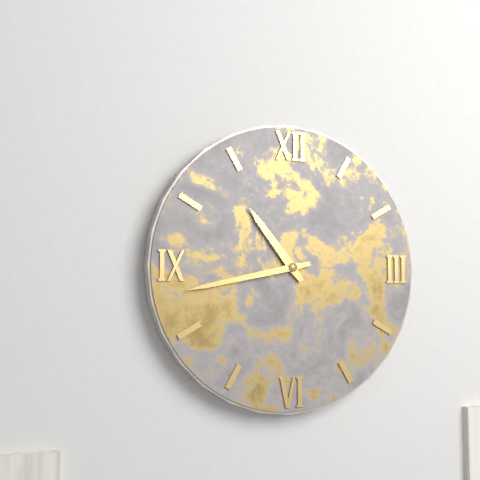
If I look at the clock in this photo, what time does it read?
10:43
